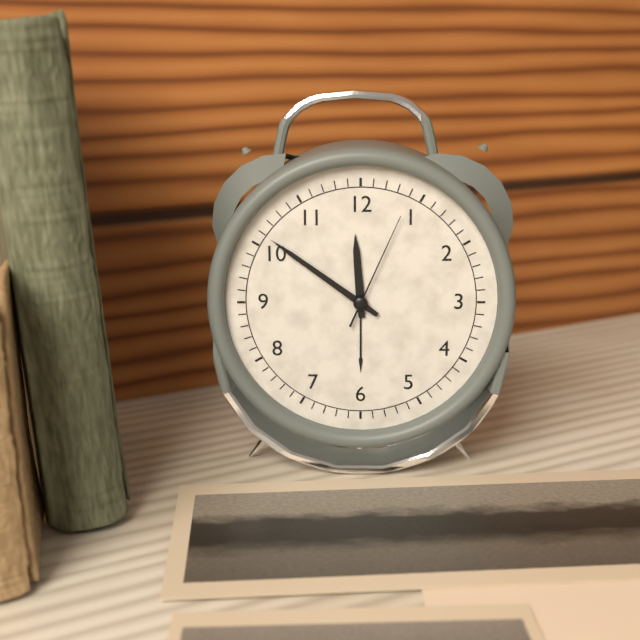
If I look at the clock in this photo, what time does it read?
11:51:04
